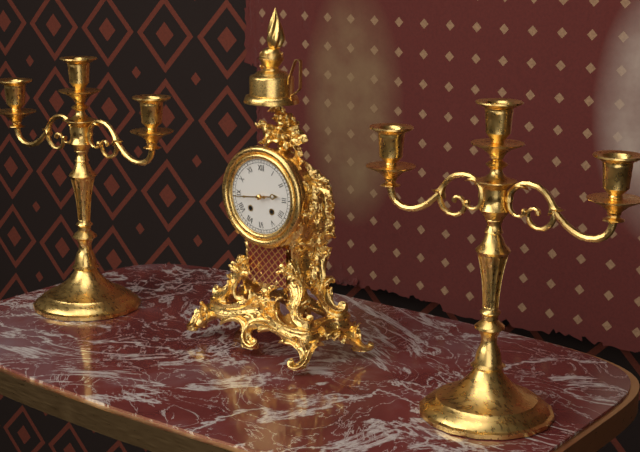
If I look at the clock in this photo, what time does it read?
2:44
